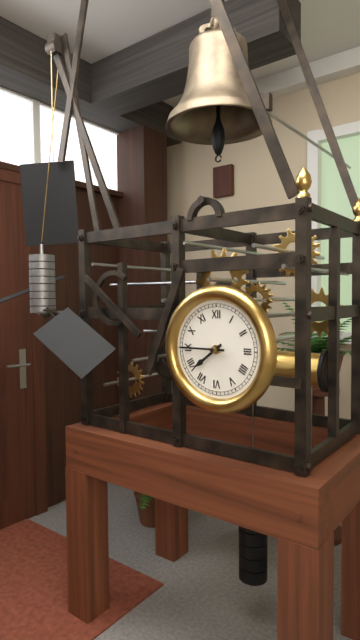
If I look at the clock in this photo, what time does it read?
7:45
